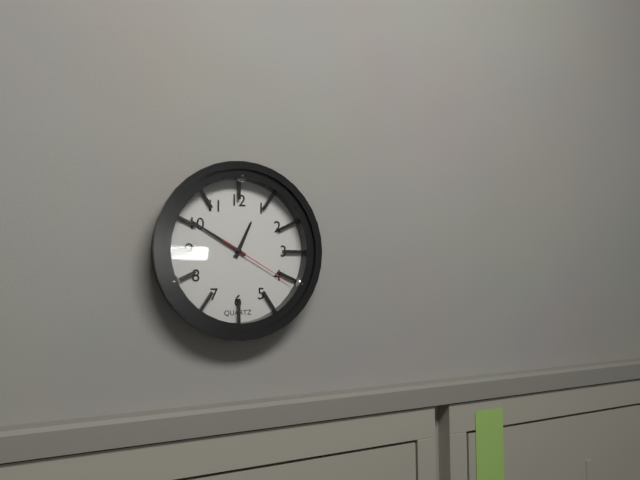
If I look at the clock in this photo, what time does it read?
12:50:20
